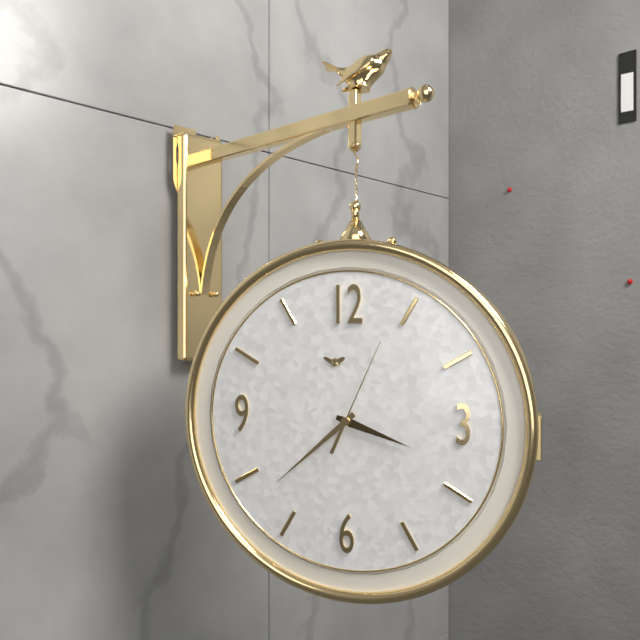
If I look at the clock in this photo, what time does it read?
3:38:04
